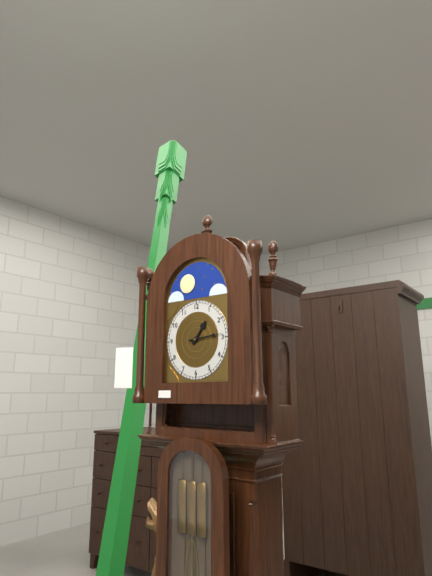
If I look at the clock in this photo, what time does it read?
1:14
